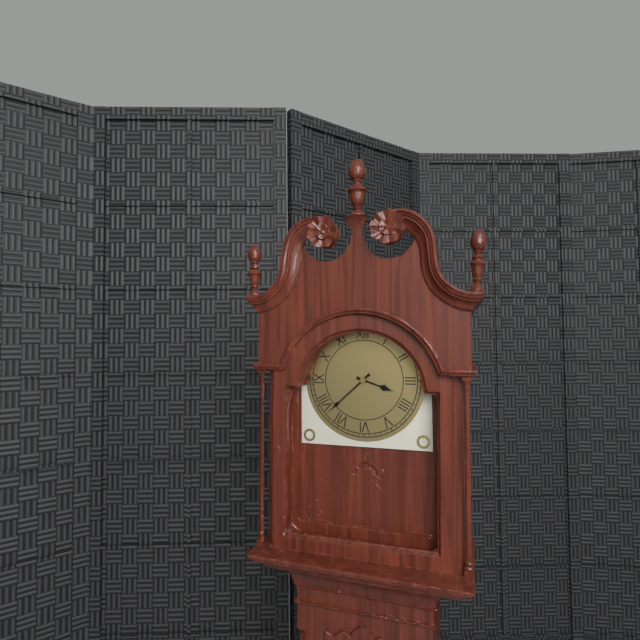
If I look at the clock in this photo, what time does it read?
3:38
